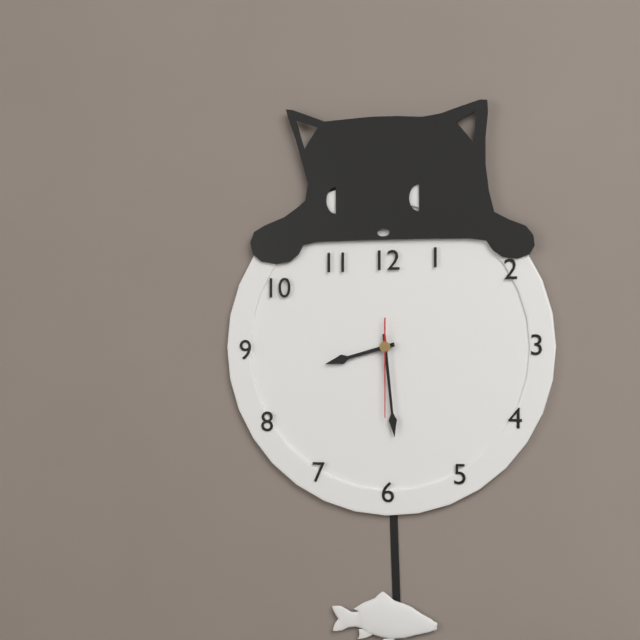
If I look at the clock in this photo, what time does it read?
8:29:30
